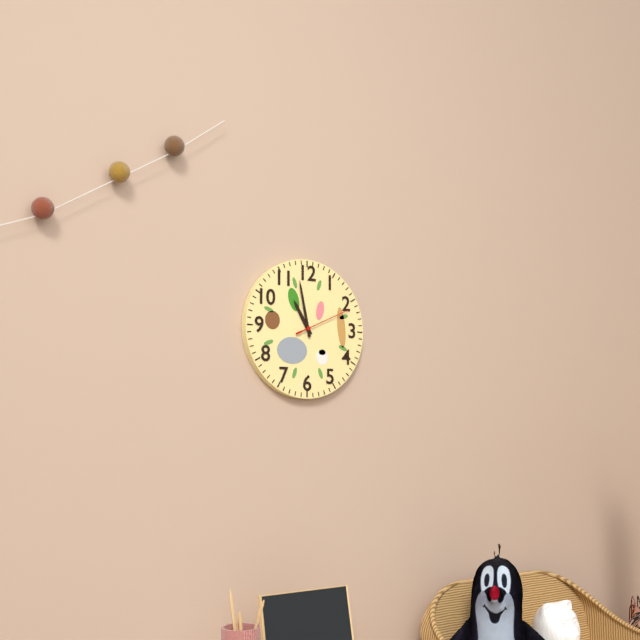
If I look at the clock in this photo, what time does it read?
10:58:11
